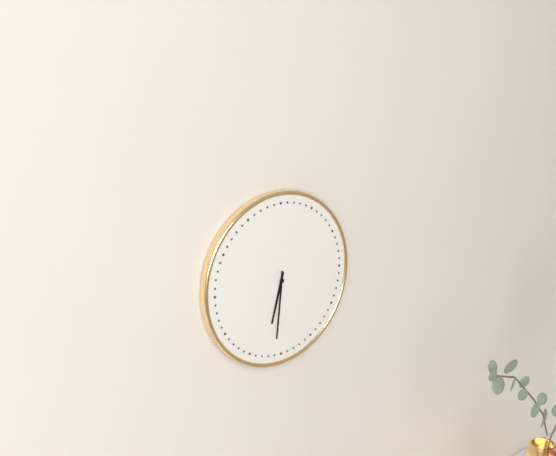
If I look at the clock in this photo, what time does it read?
6:31
